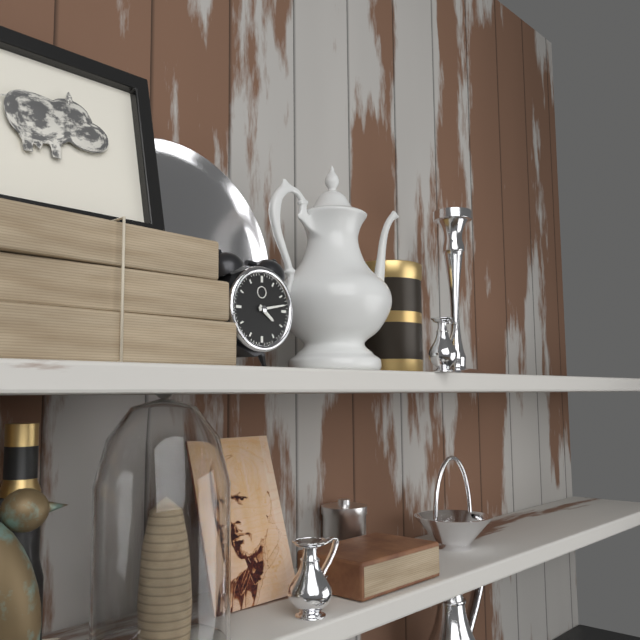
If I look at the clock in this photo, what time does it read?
4:13
